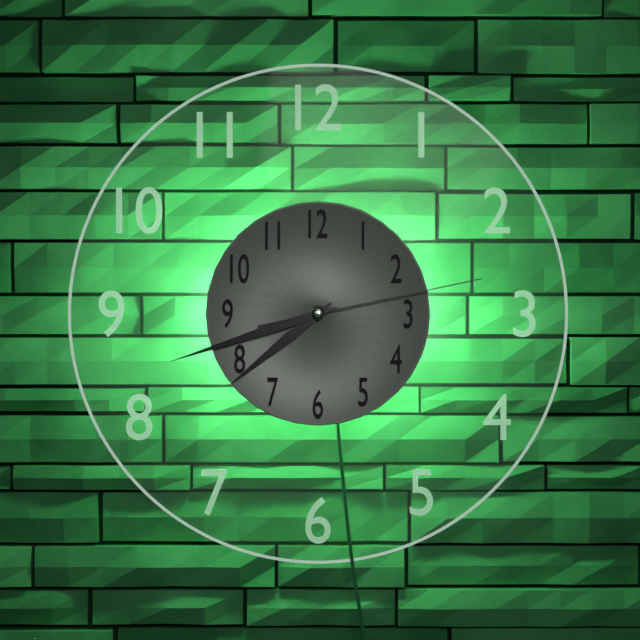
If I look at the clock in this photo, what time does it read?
7:42:13
